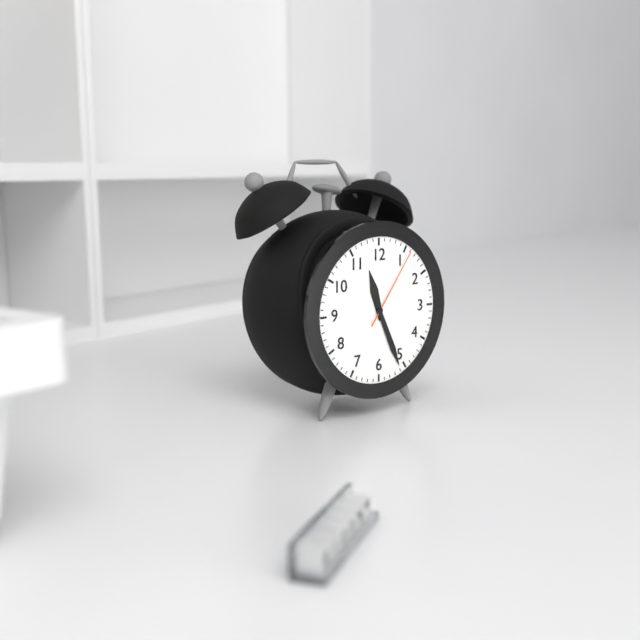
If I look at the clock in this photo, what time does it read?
11:26:06
